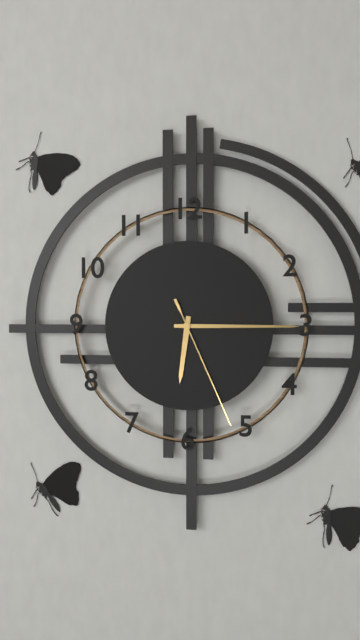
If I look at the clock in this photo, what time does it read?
6:15:26
